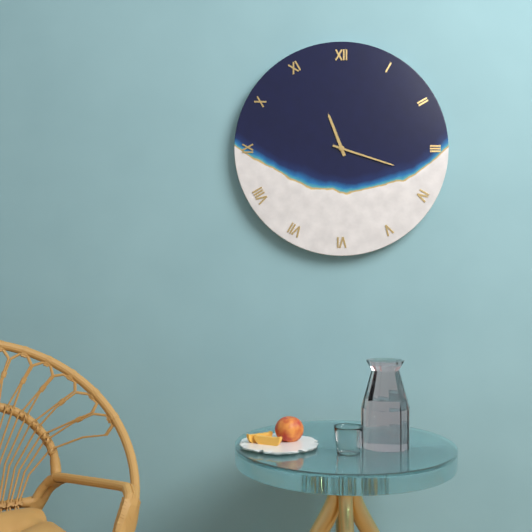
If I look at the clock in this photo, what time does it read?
11:18
